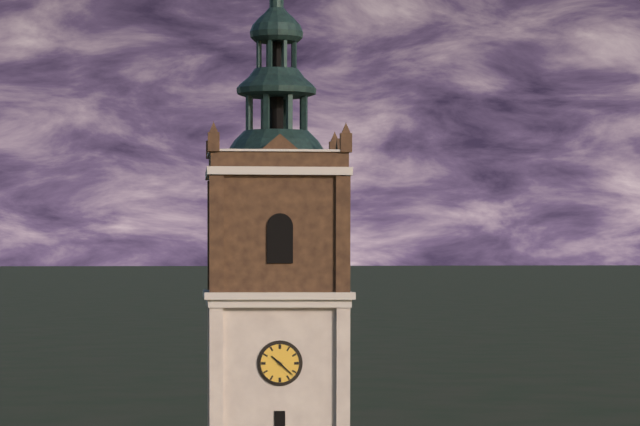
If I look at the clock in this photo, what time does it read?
10:22
